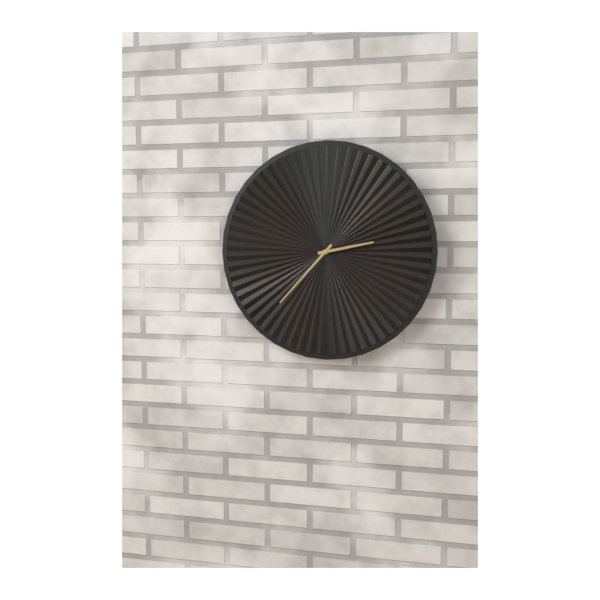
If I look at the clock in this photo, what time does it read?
2:37
